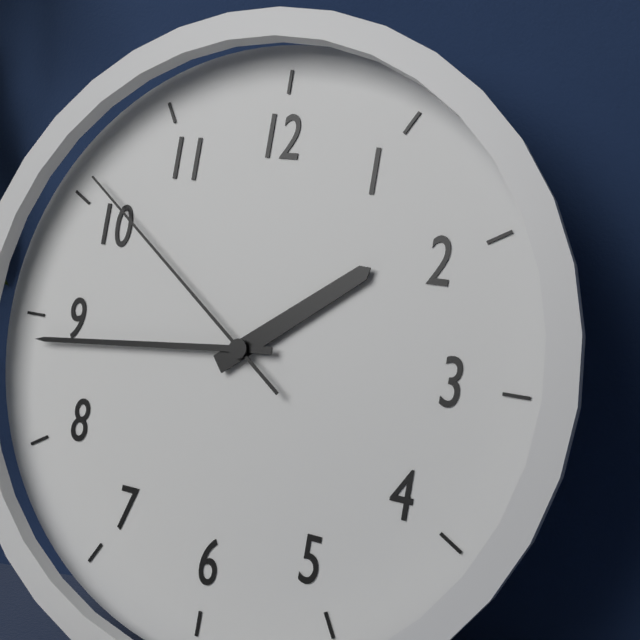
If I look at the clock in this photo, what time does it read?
1:44:51
